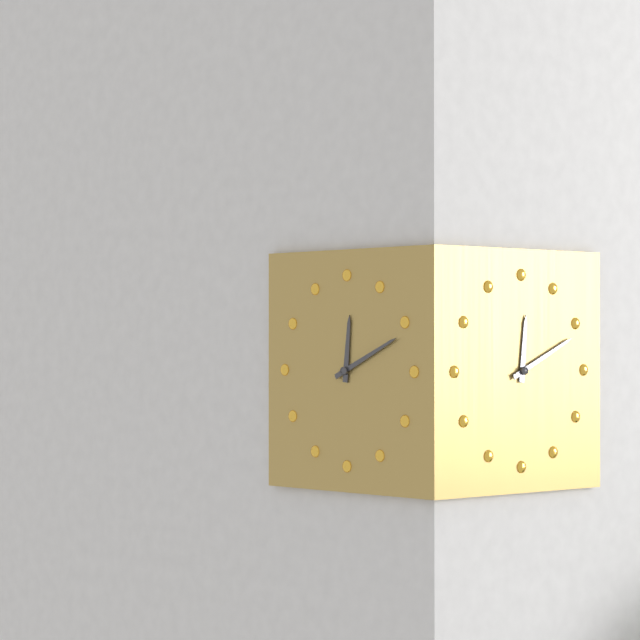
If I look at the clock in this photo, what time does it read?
12:11
